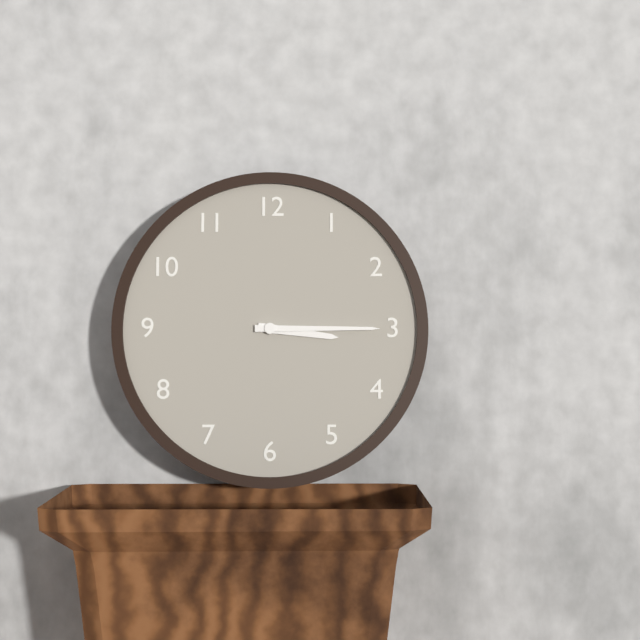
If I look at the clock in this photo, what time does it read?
3:15
